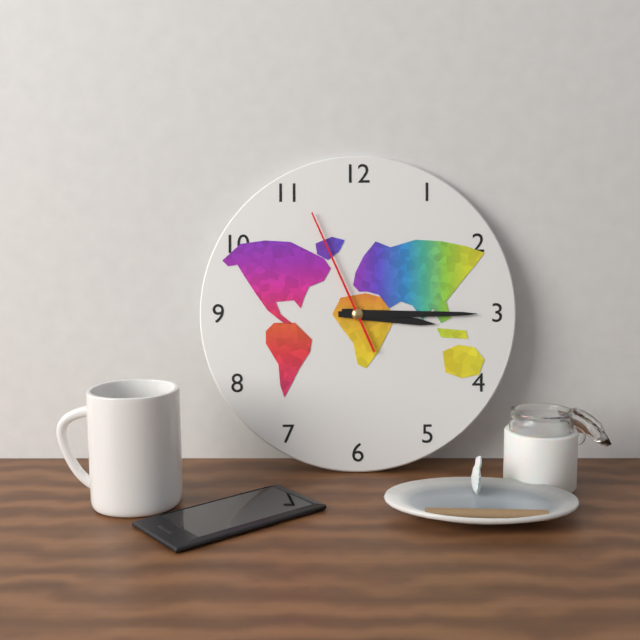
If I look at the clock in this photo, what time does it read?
3:15:56
